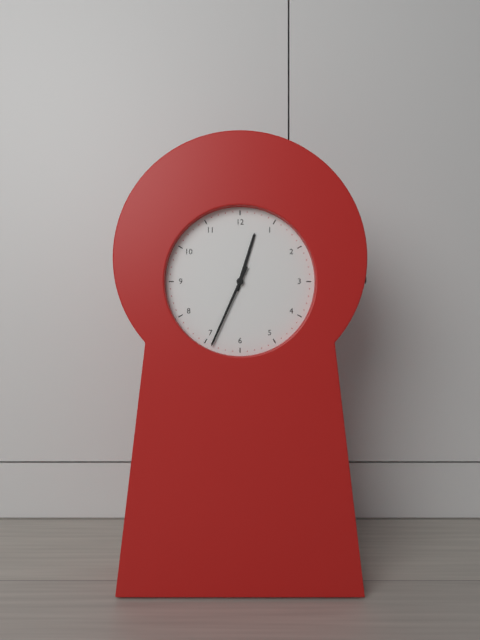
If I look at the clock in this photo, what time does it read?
12:34
